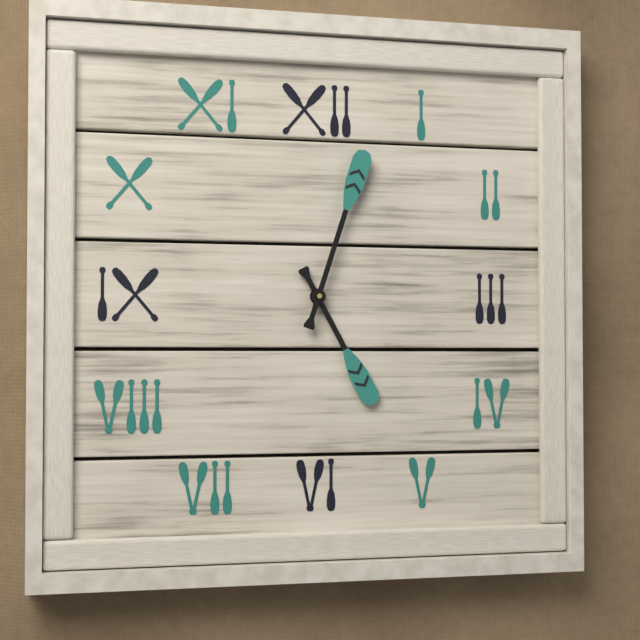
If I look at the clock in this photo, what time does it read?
5:03
